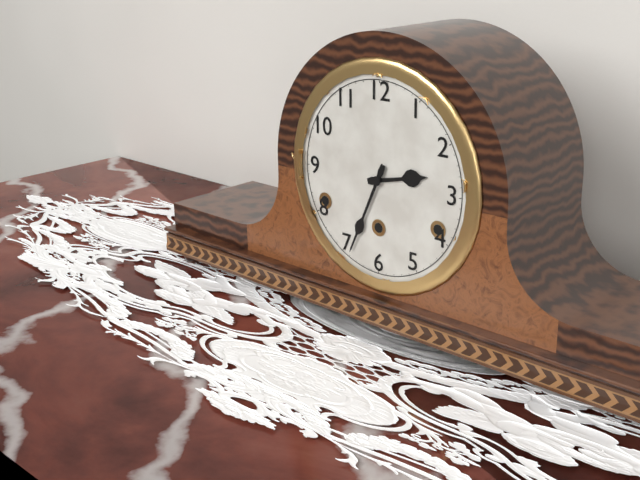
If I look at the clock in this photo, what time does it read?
2:34
